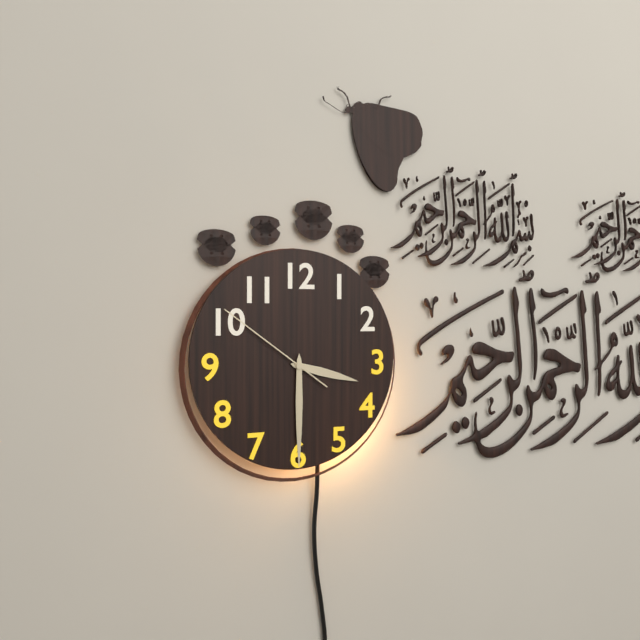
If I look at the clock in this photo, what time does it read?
3:30:51
